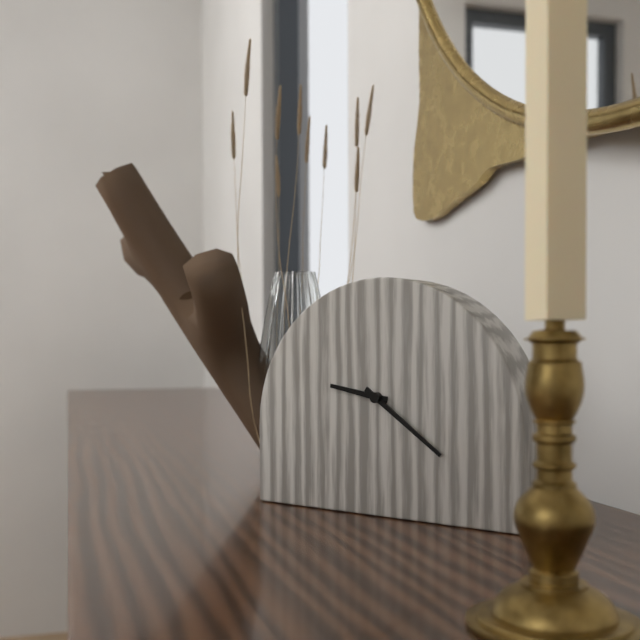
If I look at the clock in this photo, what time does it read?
9:21
